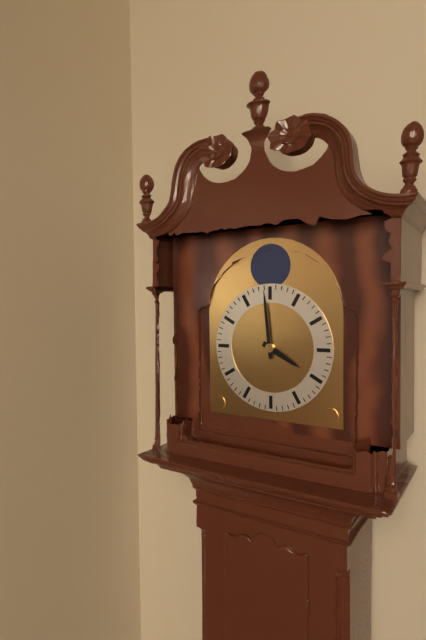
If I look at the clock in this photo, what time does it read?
3:59
